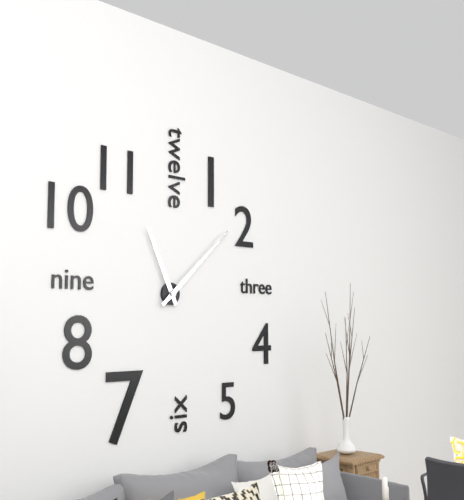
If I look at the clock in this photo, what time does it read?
11:08
